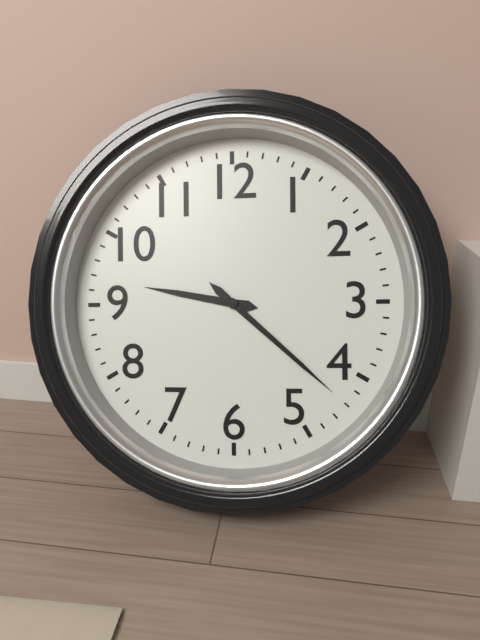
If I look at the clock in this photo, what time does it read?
9:22
